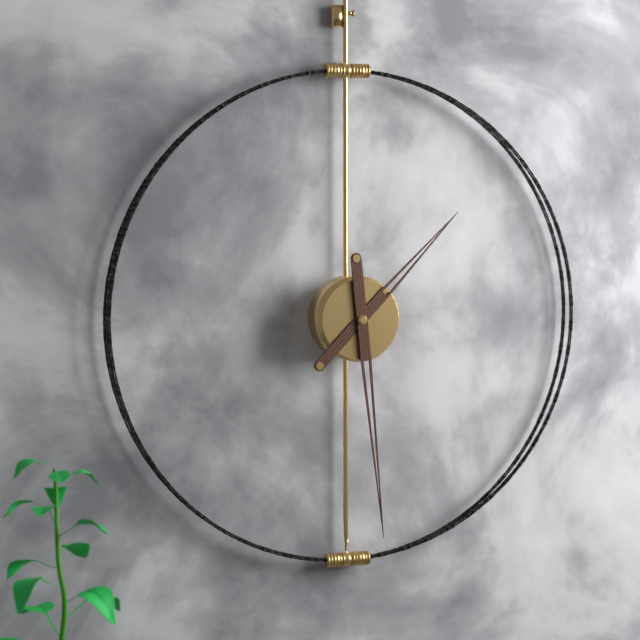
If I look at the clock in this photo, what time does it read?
1:29
